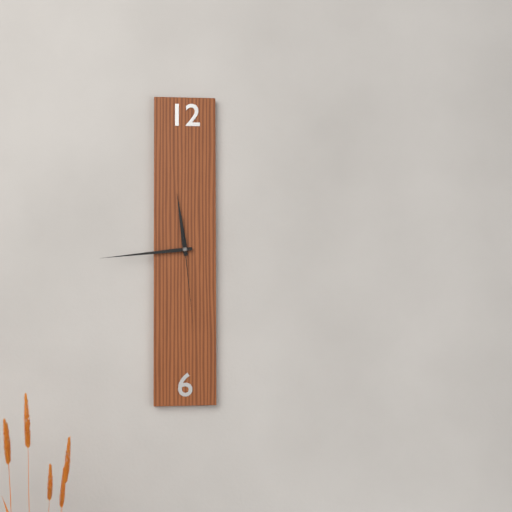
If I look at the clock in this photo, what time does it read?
11:44:29
